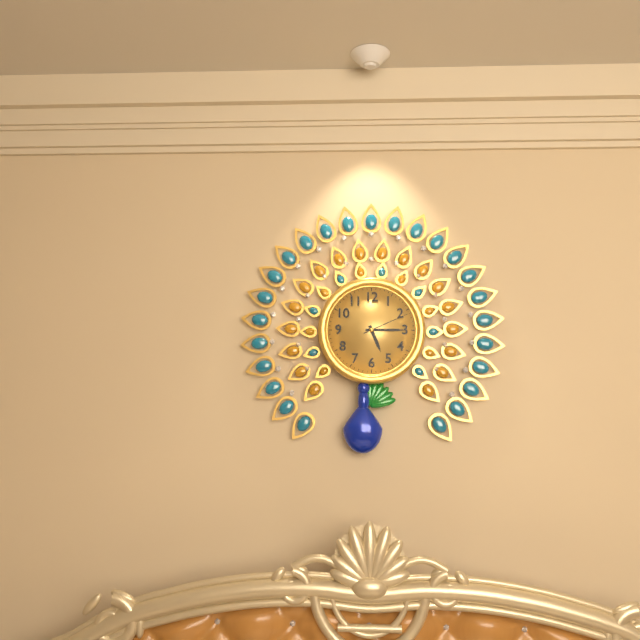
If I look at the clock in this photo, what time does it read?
5:15
